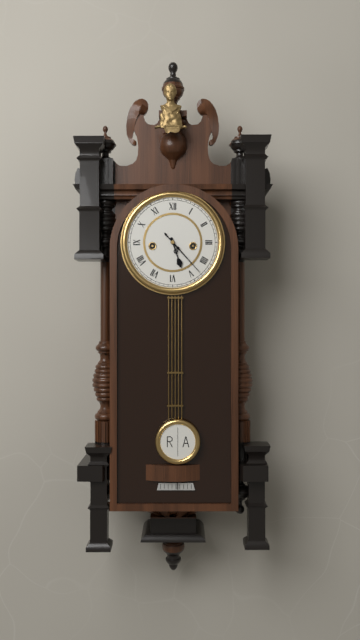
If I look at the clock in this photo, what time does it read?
5:23
